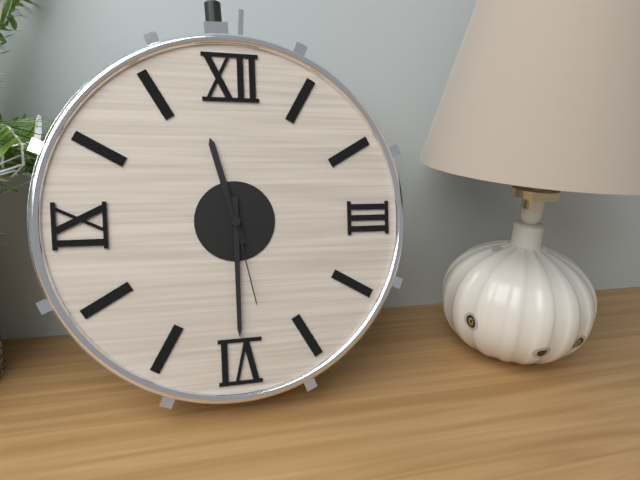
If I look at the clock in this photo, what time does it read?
11:30:28
